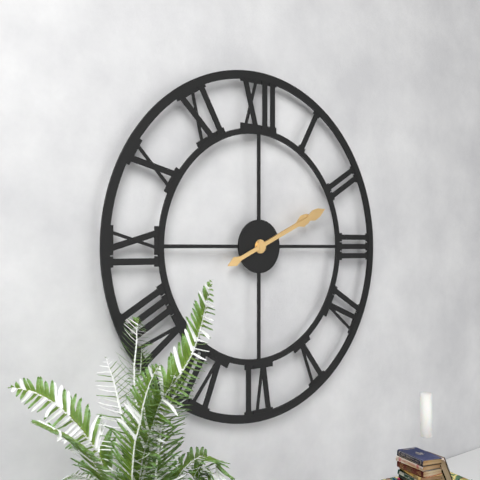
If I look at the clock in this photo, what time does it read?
2:11
